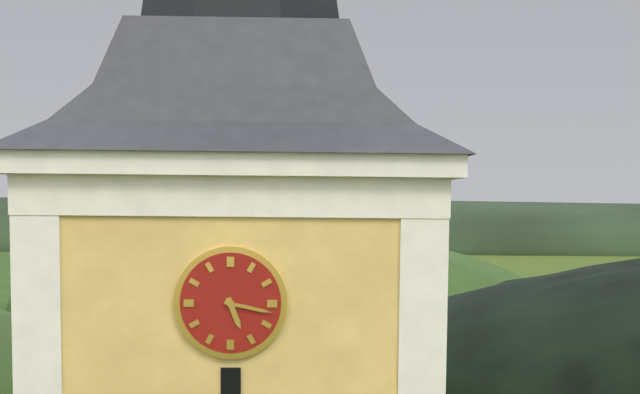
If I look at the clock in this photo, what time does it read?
5:17
